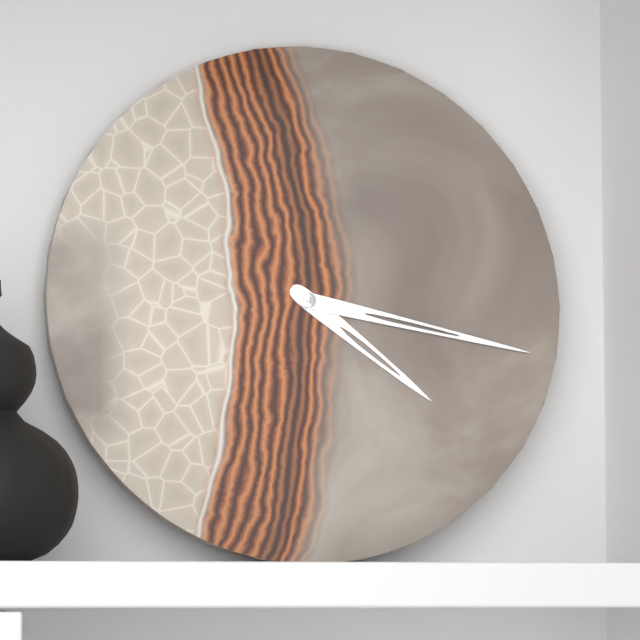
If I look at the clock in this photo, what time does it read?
4:17
